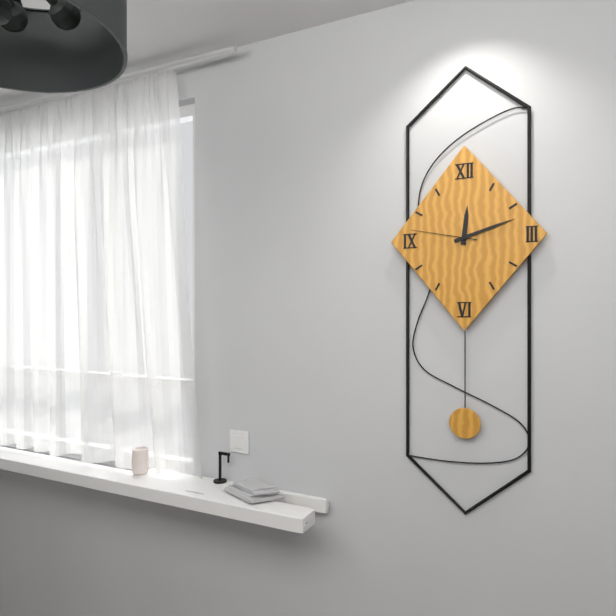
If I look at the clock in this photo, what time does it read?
12:12:47
